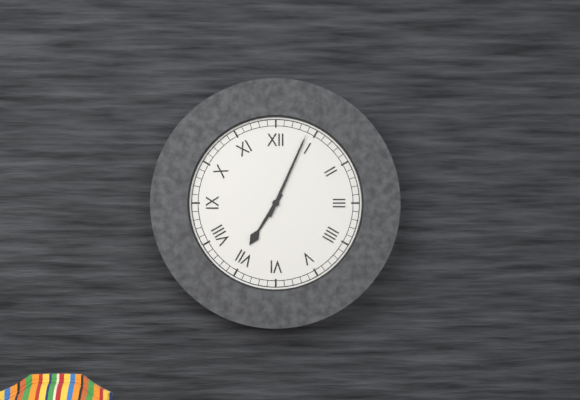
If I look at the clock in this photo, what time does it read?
7:04
